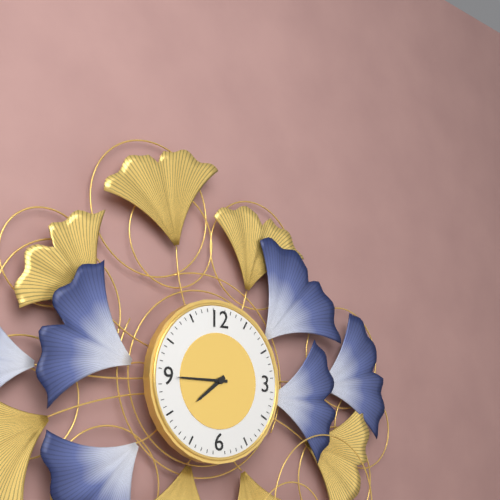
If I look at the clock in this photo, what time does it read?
7:45
